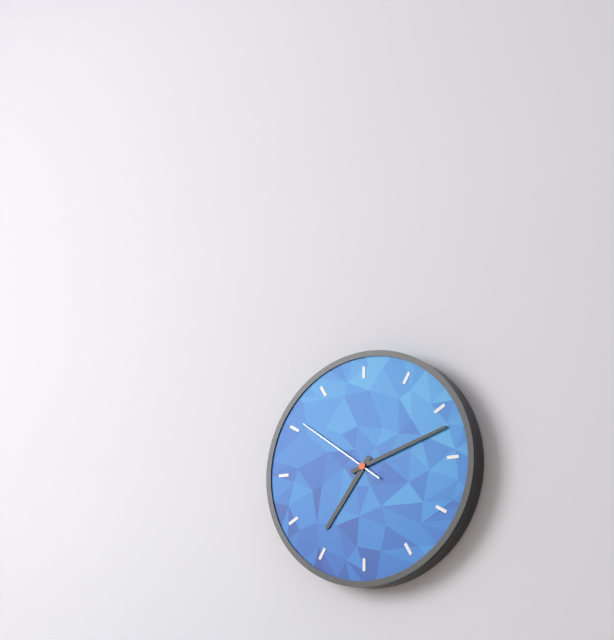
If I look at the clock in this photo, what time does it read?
7:12:51
